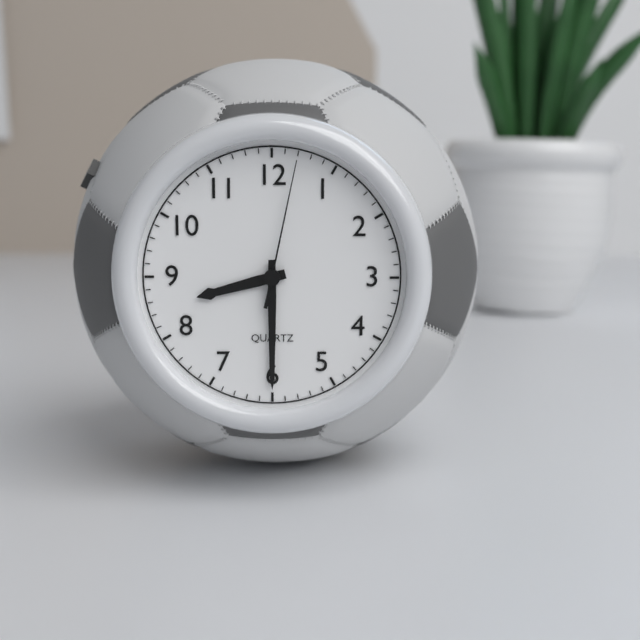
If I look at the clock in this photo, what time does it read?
8:30:02
